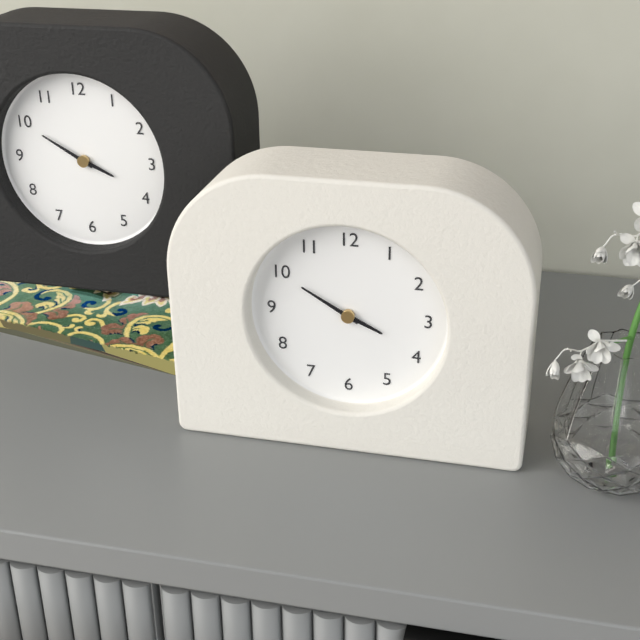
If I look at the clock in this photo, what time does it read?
3:50
